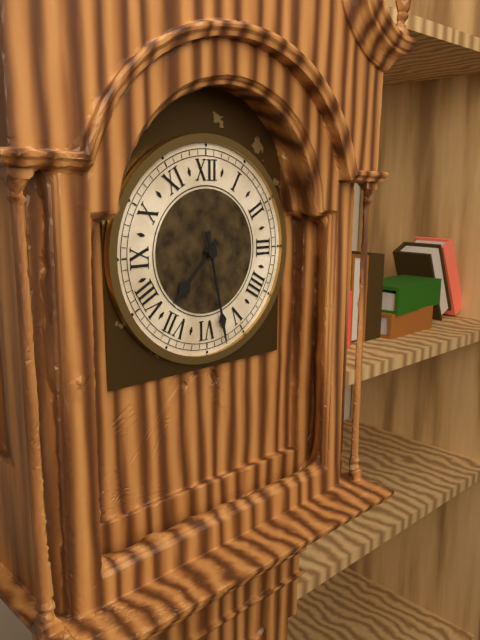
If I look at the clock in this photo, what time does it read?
7:28
